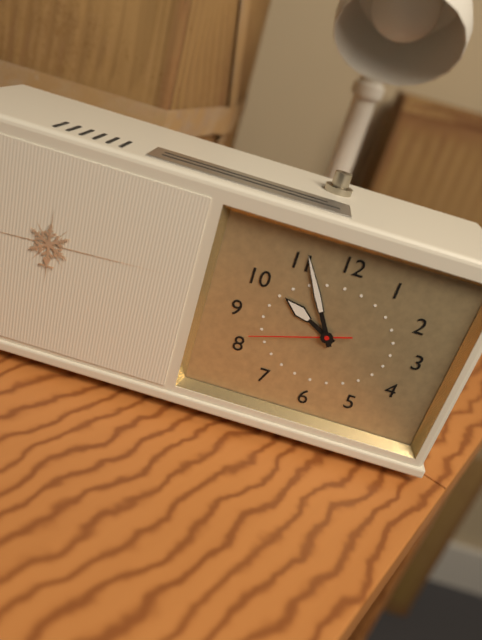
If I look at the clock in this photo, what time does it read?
9:55:42
